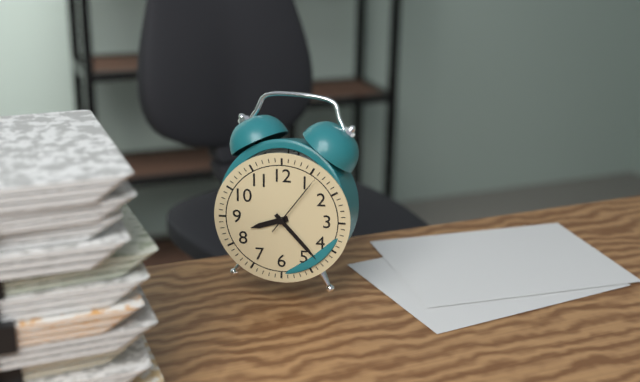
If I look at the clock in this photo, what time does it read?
8:23:06
